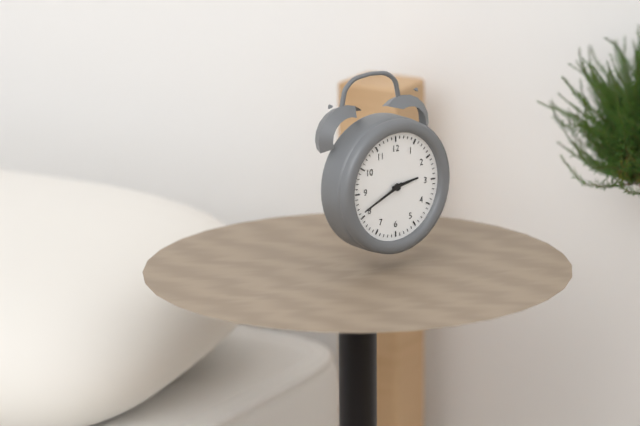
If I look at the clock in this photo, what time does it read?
2:41
